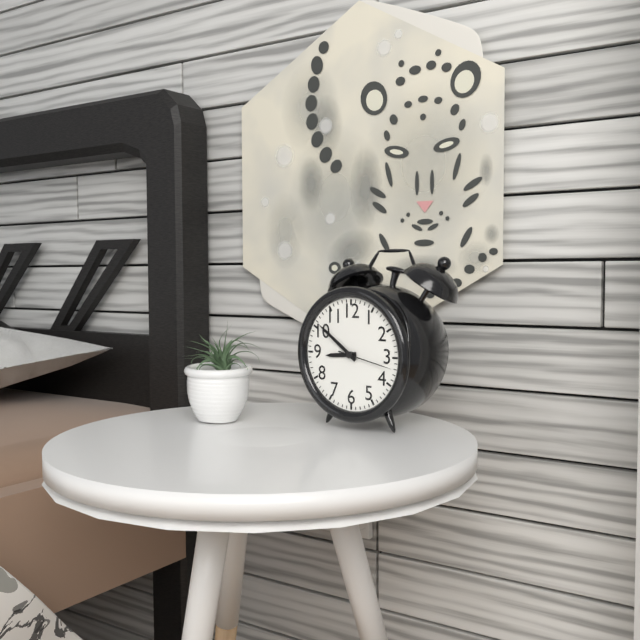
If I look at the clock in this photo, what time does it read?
8:51:17
